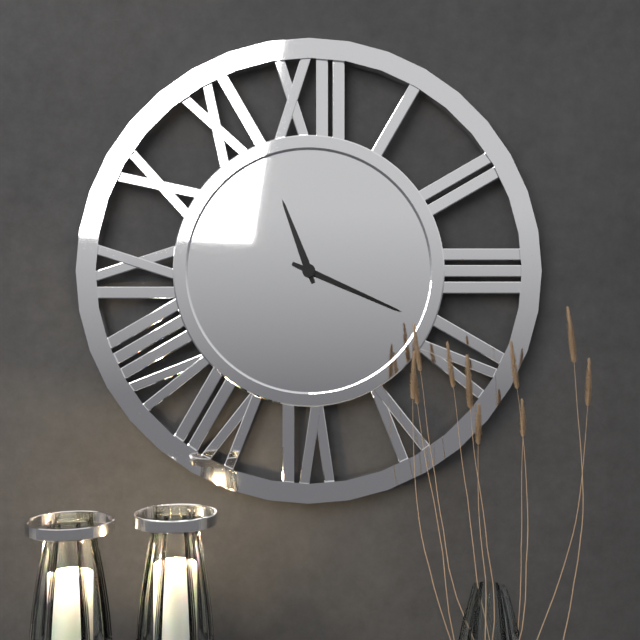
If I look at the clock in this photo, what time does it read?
11:19
